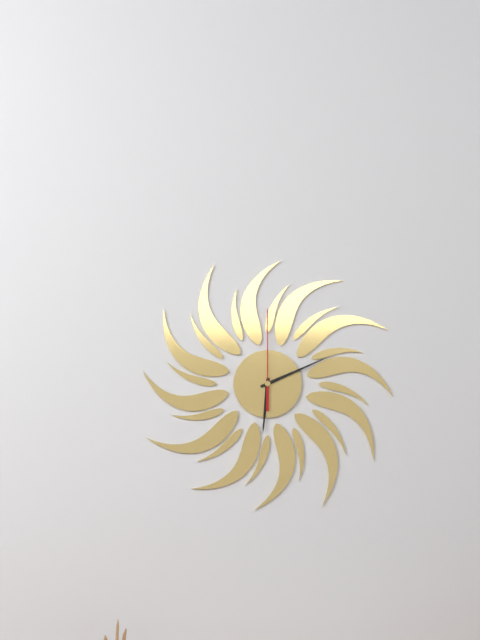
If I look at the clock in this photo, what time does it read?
6:11:00
